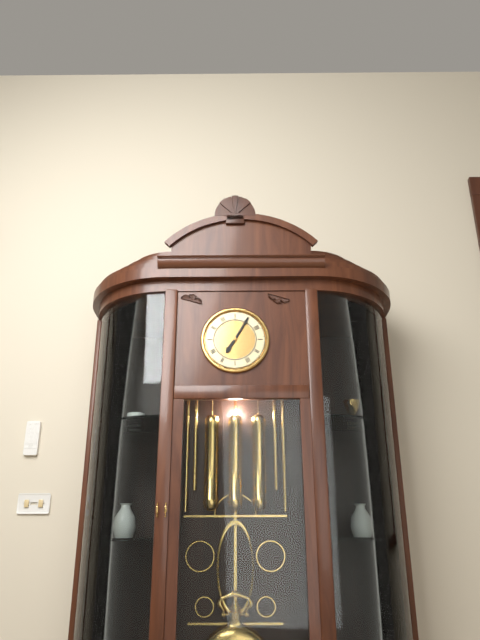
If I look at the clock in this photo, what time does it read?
7:05
